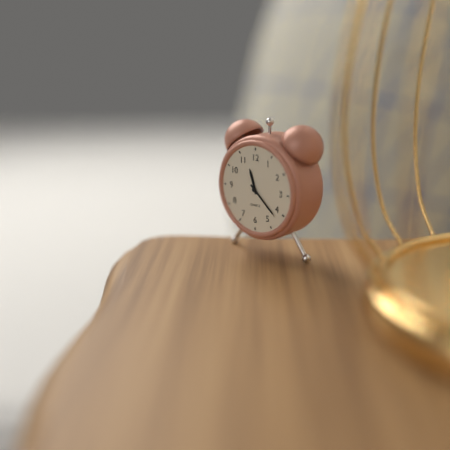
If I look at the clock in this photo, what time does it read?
11:22
